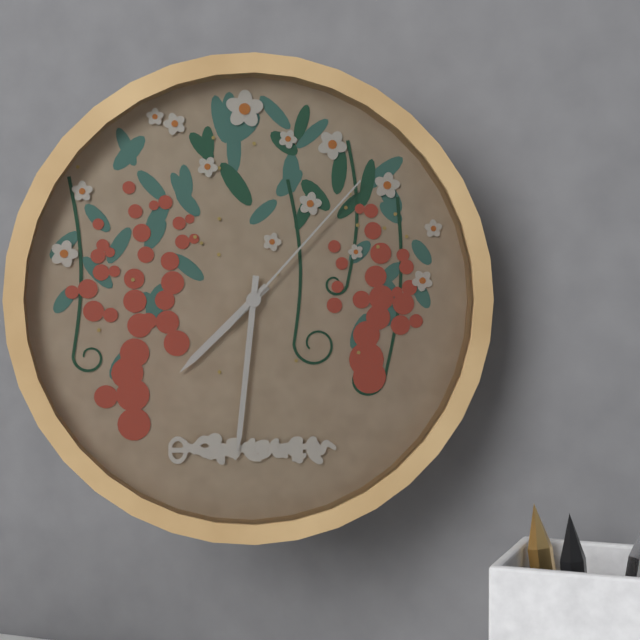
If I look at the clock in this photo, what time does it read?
7:31:07
